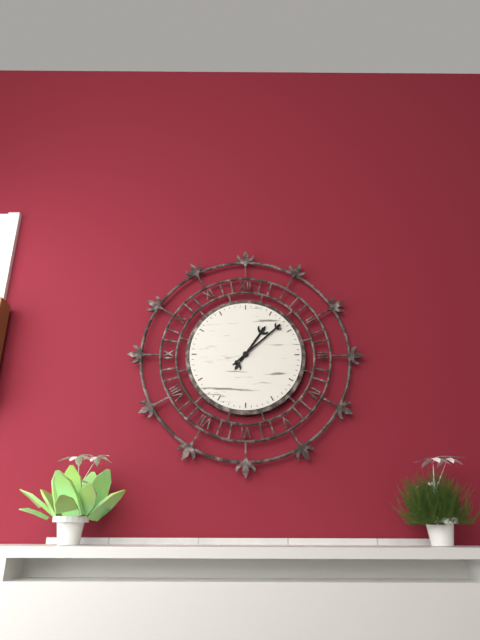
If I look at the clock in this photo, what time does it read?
1:08
